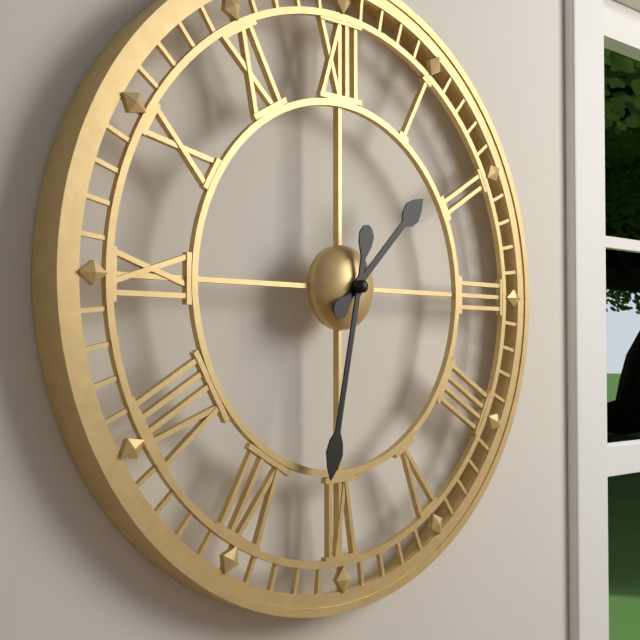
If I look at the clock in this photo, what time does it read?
1:32
